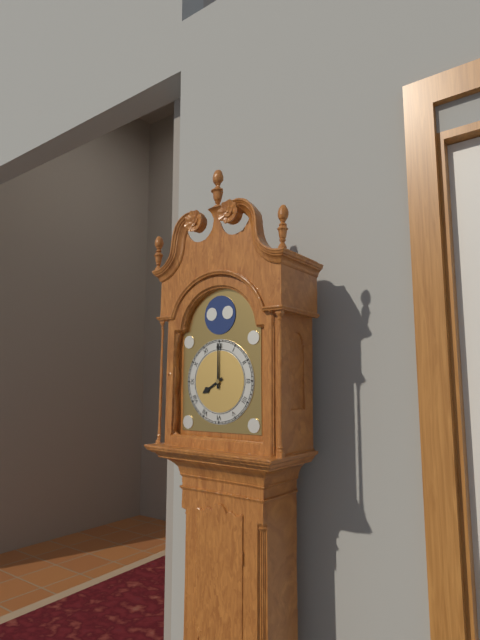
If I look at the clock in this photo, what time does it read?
8:00
